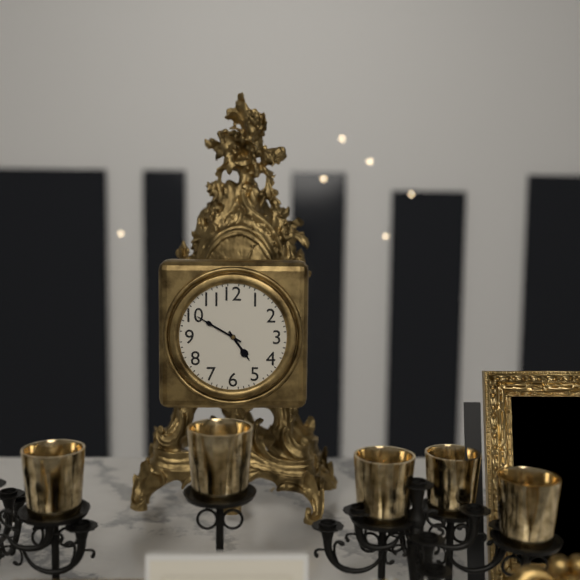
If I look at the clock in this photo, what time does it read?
4:50
